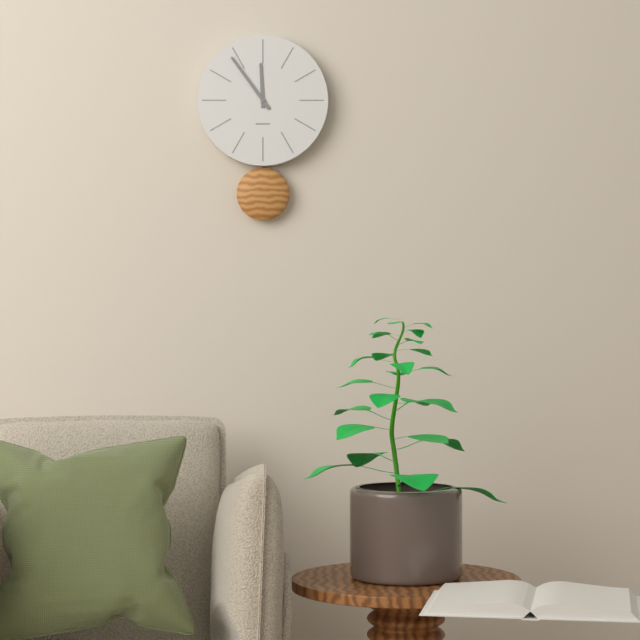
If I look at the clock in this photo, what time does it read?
11:54
